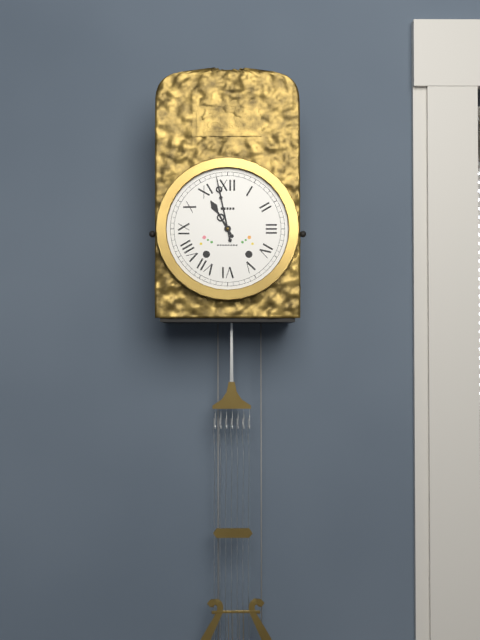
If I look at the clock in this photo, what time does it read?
10:58
